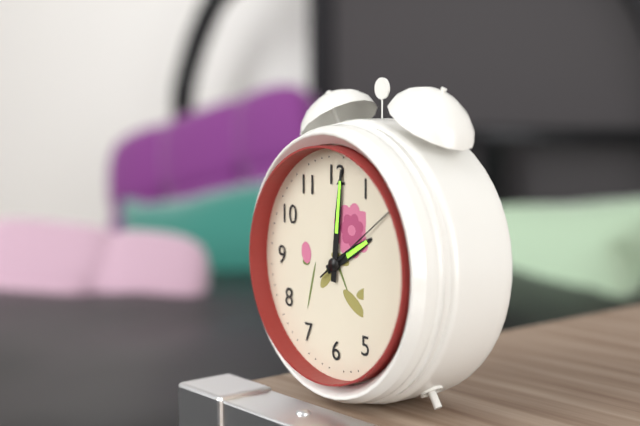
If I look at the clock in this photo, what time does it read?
2:01:09
